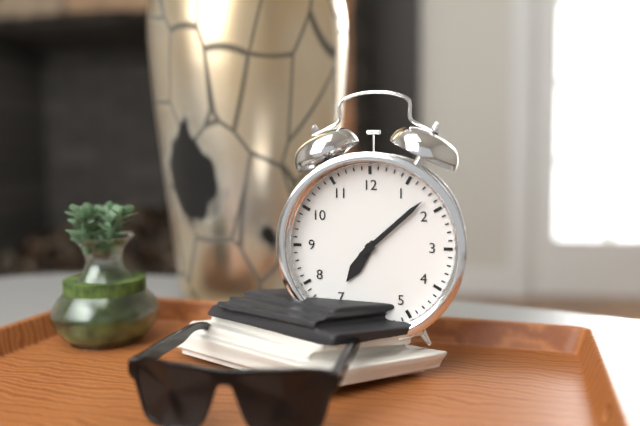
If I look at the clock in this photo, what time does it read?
7:08
